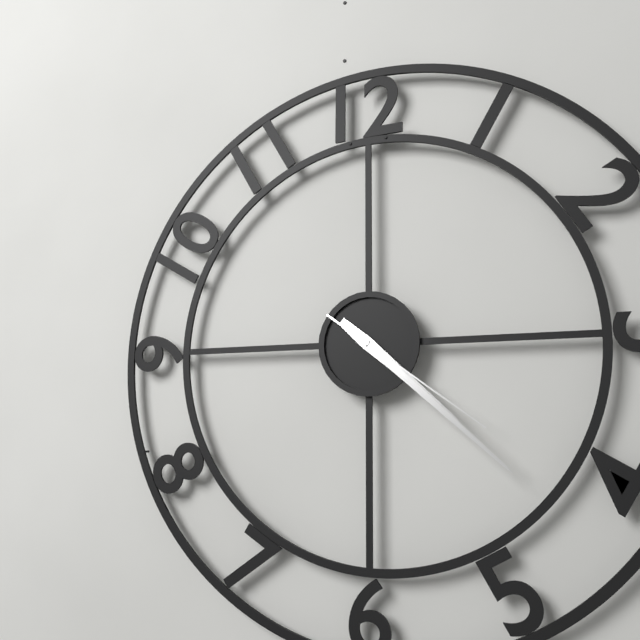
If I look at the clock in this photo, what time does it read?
4:22:21
